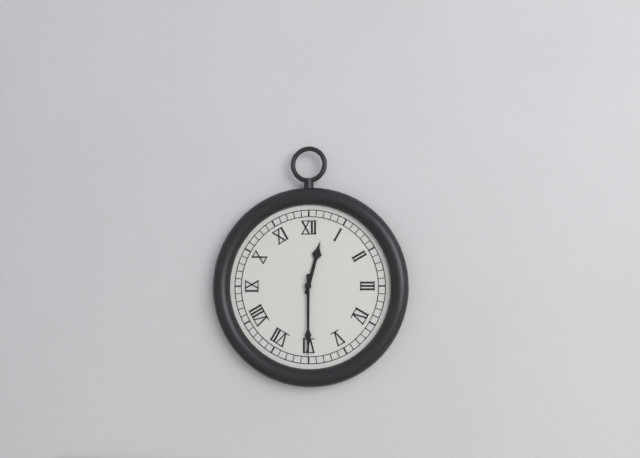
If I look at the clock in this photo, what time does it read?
12:30
